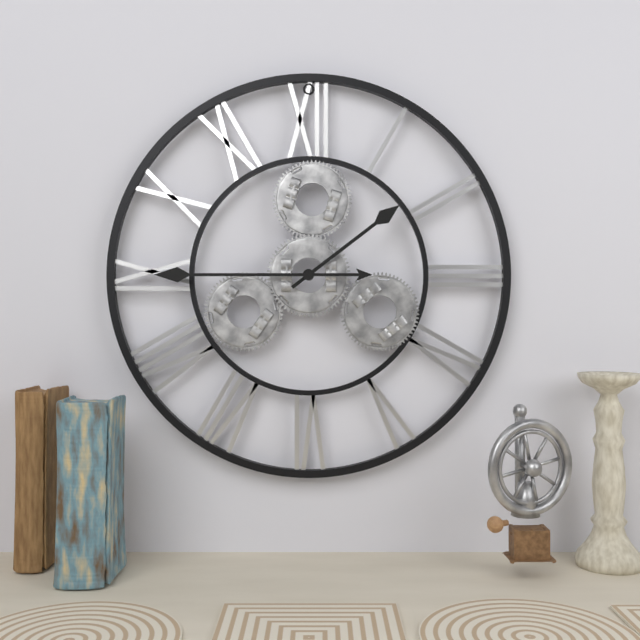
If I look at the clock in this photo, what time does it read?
1:45
